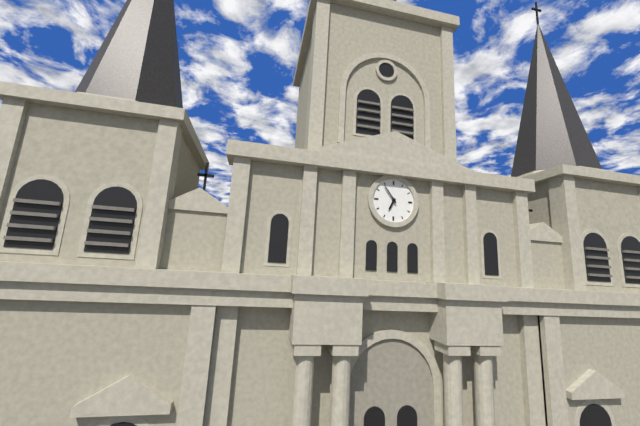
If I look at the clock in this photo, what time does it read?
6:54
